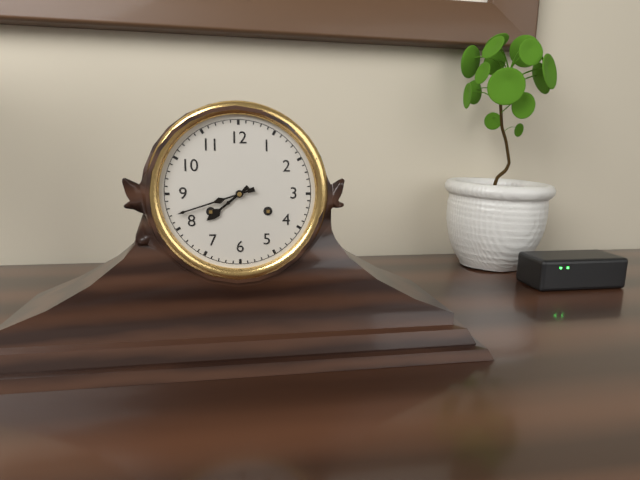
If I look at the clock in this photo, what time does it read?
7:42
